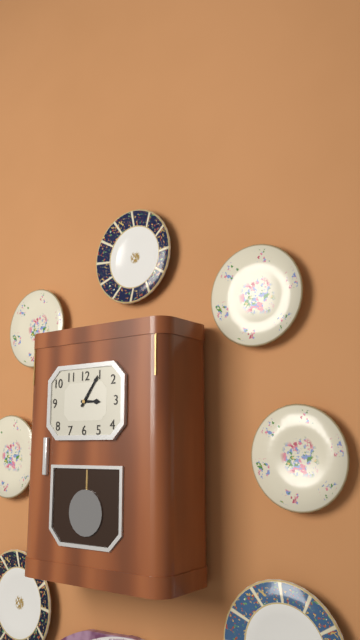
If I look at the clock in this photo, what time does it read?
3:06
